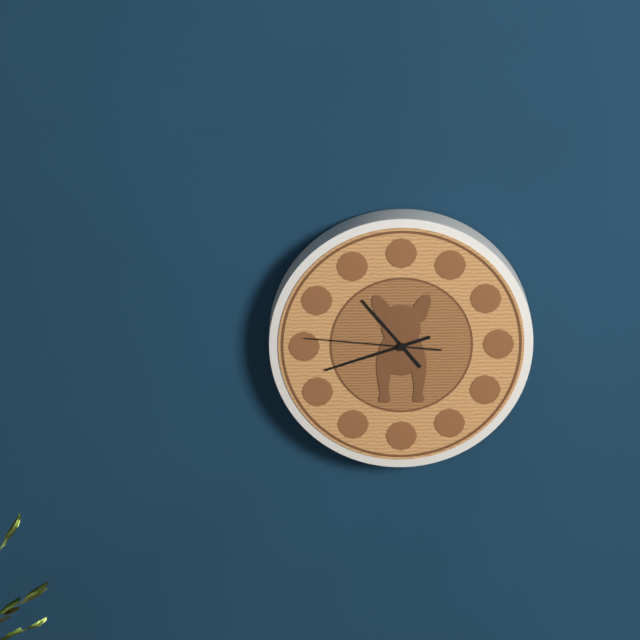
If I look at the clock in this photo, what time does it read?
10:42:46
